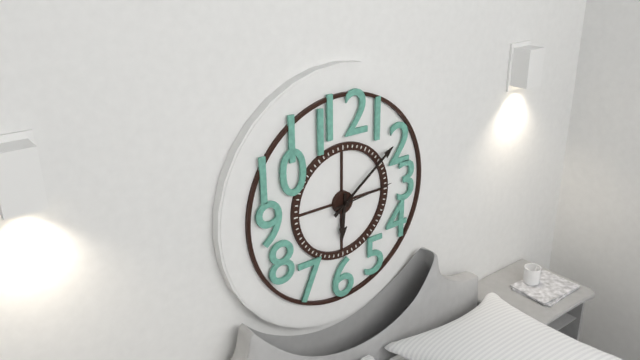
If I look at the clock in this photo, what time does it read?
6:09:14
